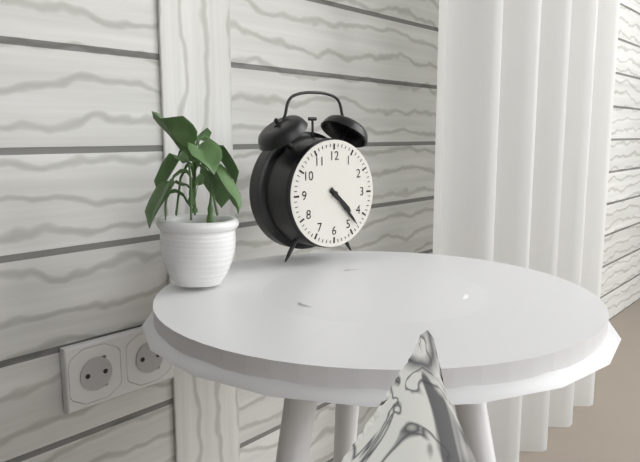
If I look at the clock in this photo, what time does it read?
4:23
